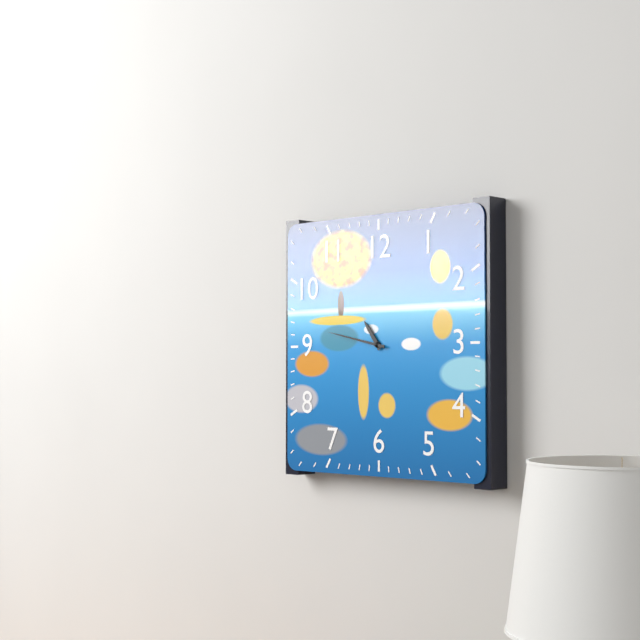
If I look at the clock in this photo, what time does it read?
10:47
